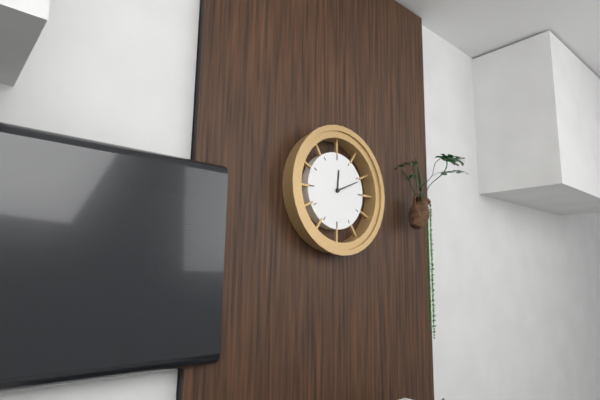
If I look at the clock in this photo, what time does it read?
12:11
